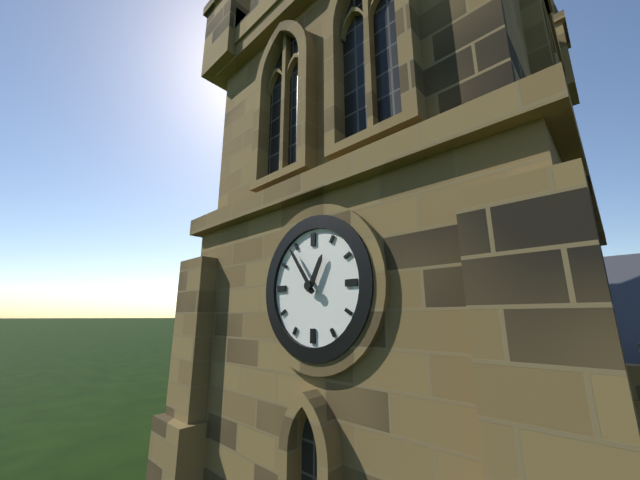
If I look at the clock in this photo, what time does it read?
12:54
